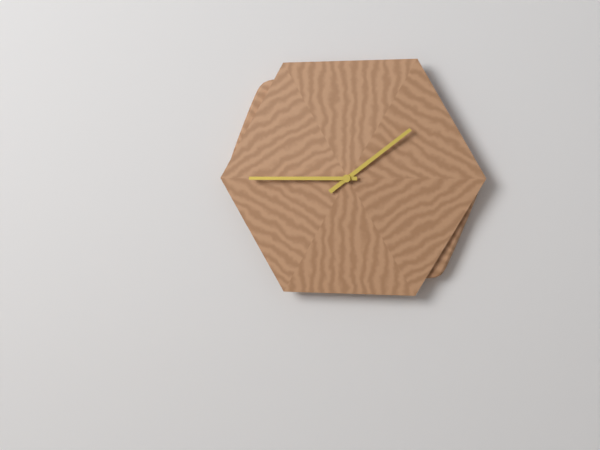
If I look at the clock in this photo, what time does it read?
1:45
